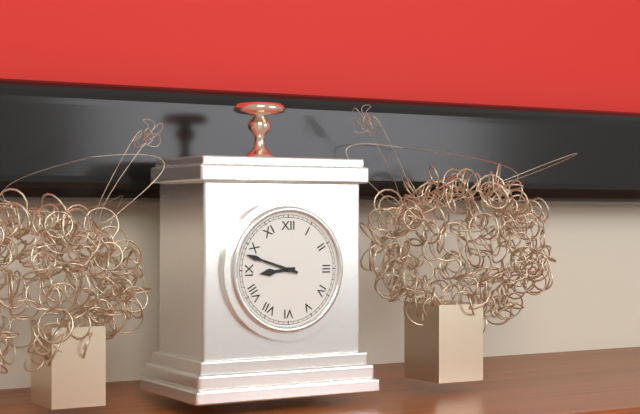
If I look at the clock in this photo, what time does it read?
8:48
